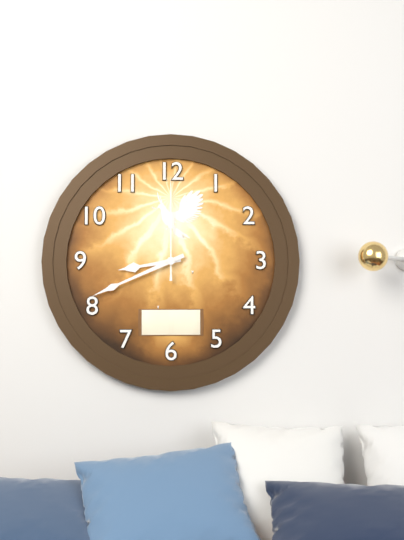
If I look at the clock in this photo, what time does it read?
8:41:00
